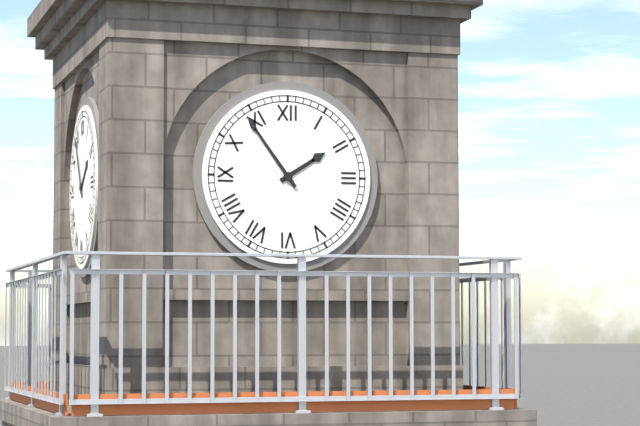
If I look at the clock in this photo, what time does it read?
1:54
